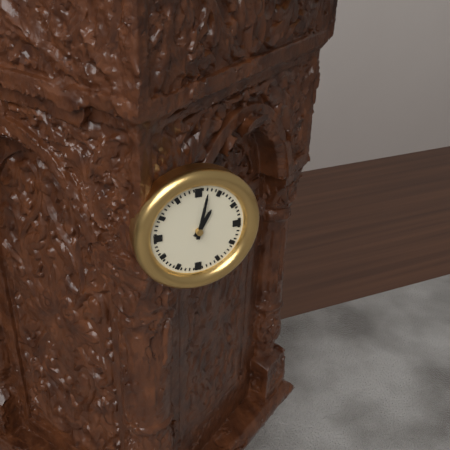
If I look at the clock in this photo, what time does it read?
1:02
